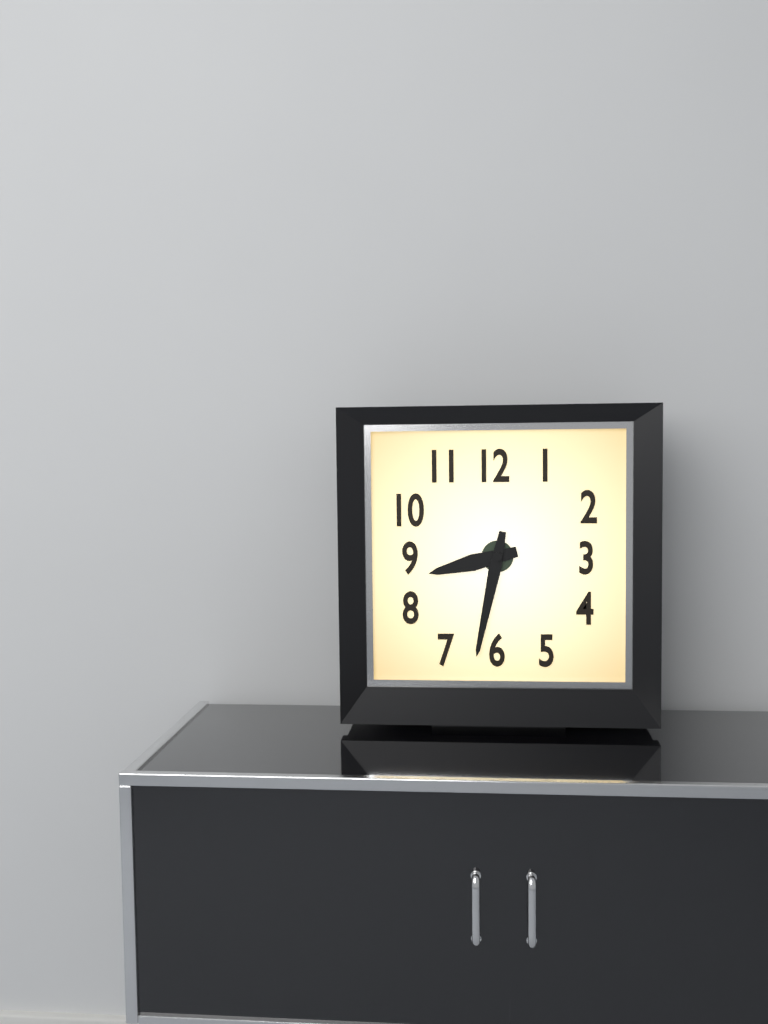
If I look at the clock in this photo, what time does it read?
8:32
